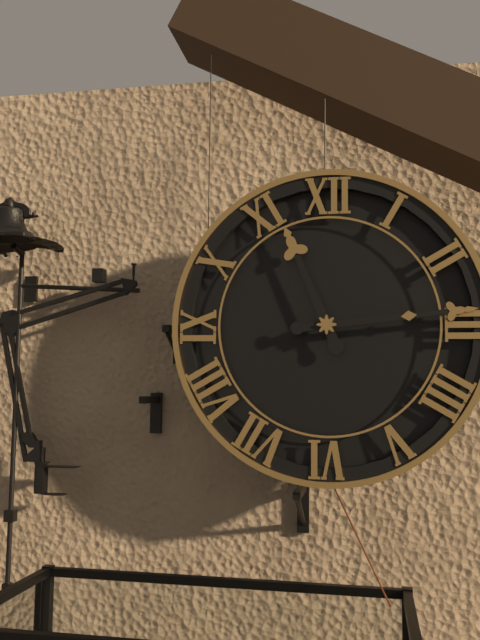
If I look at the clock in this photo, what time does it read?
11:14
